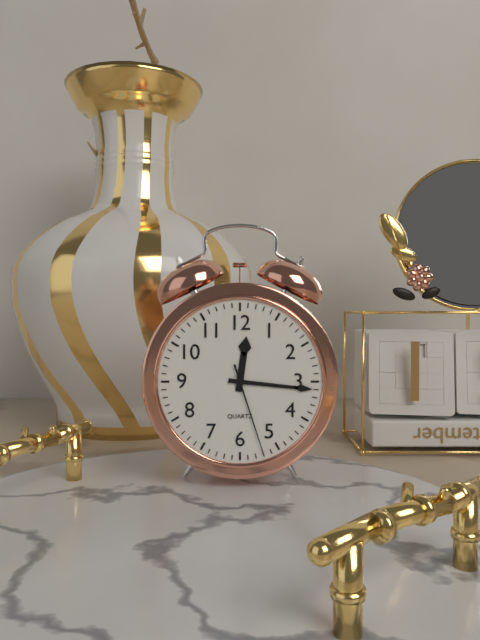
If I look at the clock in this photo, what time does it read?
12:16:27
